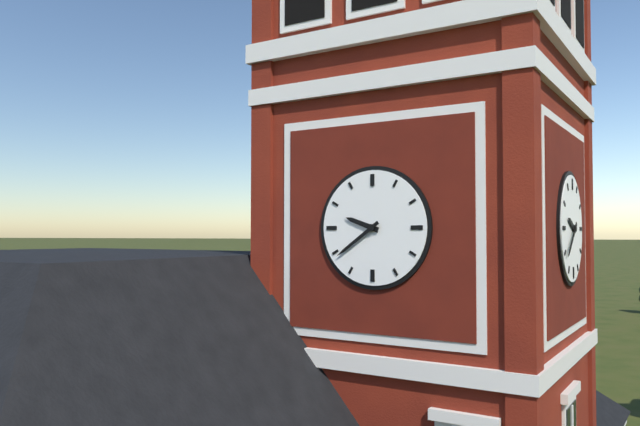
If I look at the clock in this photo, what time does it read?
9:39
